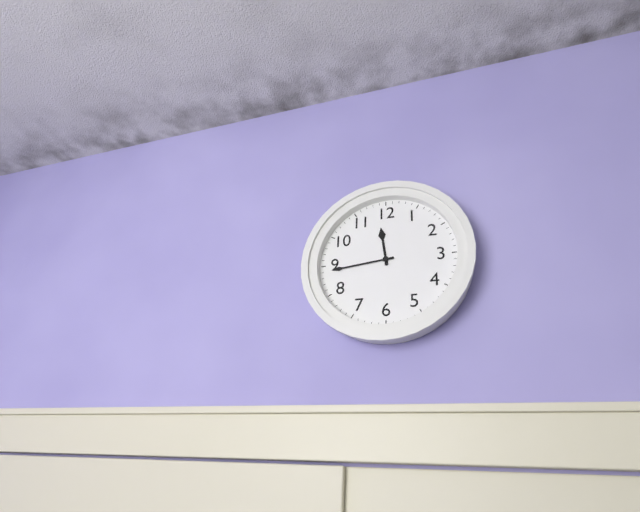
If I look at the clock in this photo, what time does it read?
11:44
